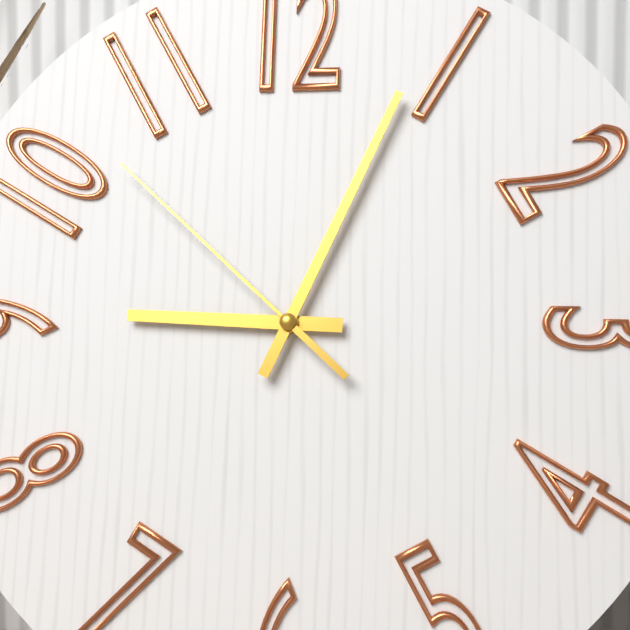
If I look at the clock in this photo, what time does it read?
9:04:52
